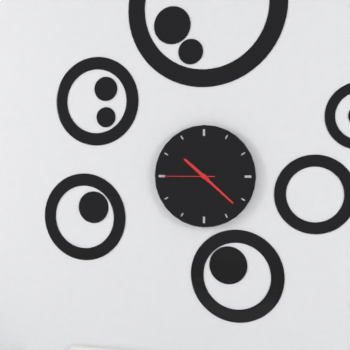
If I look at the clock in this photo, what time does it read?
10:22:45
